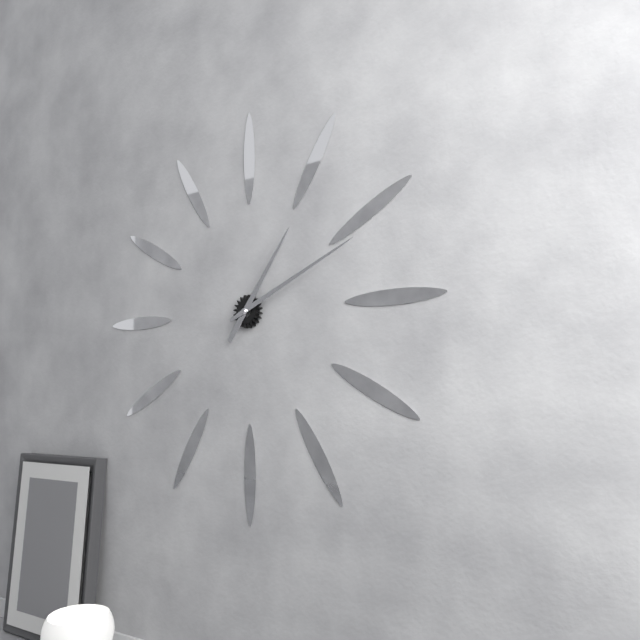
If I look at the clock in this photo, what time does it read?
1:11
